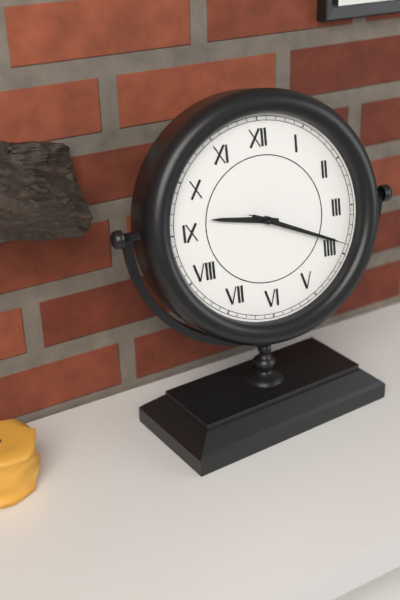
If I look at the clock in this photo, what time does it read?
9:19:19
